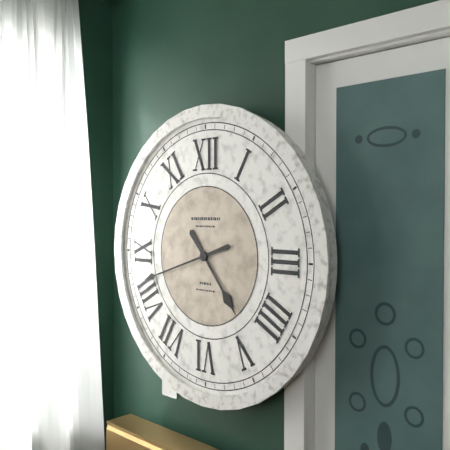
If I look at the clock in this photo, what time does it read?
4:42
